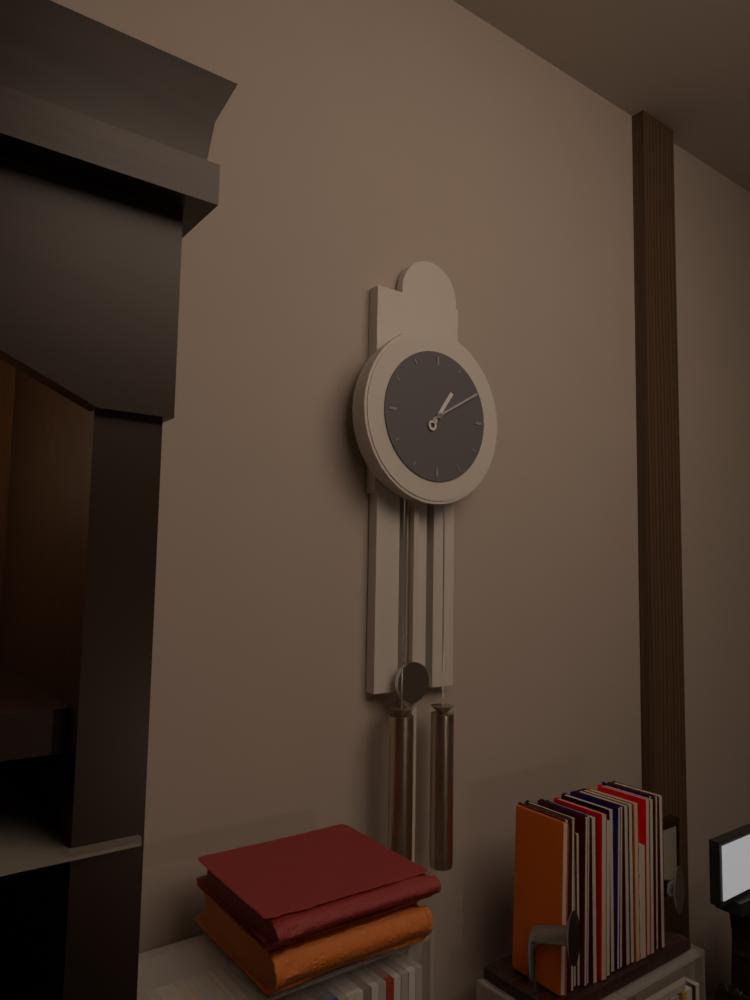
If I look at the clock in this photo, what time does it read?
1:10
